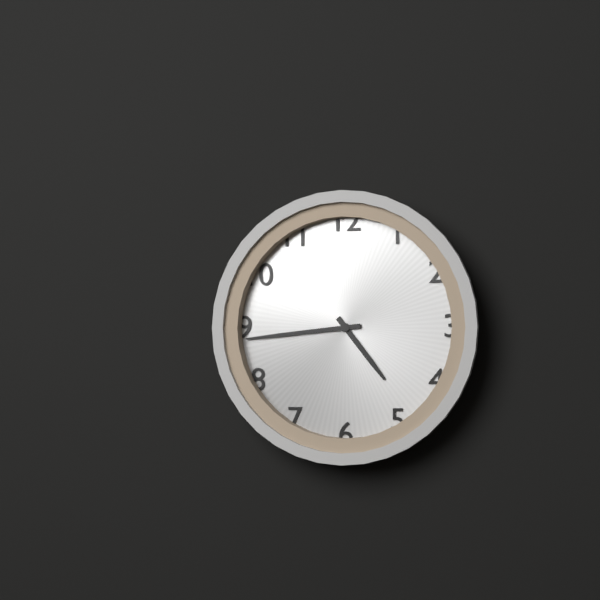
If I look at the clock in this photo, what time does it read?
4:44
